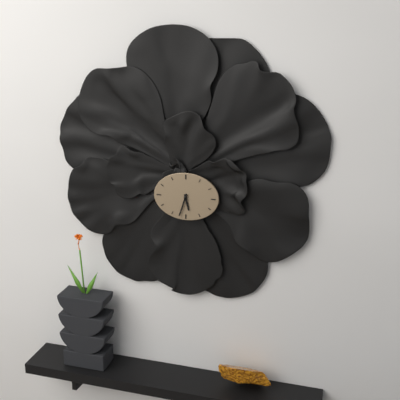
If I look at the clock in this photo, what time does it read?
5:33
